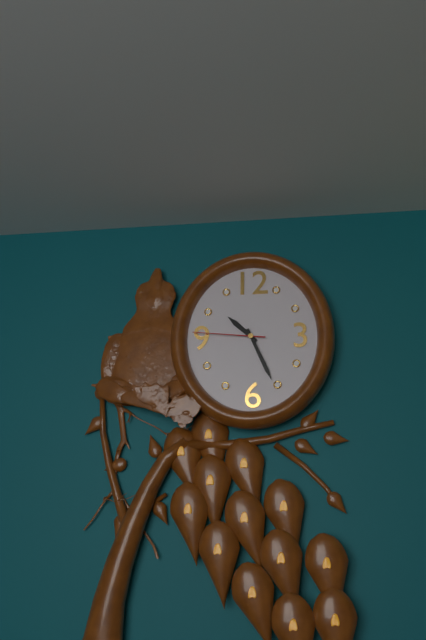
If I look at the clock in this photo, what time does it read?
10:26:46
